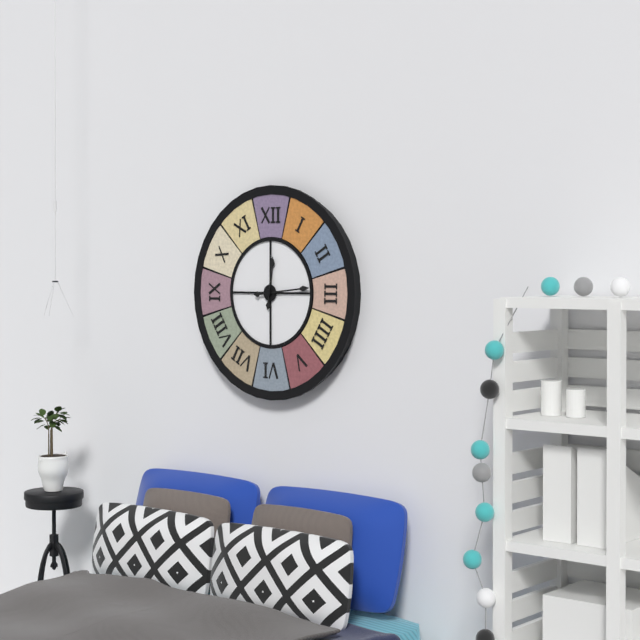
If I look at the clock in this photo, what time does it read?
12:14
